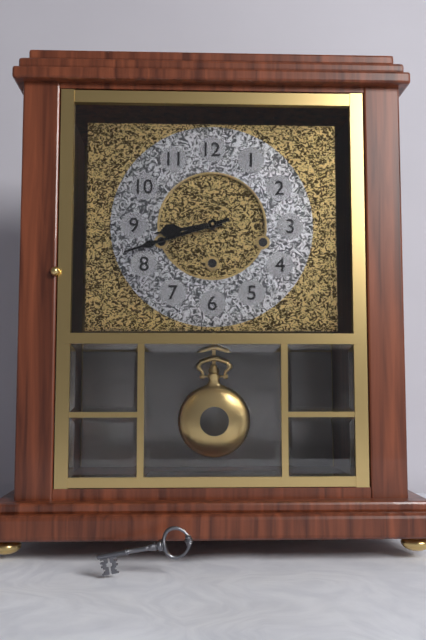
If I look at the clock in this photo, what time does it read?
8:42
